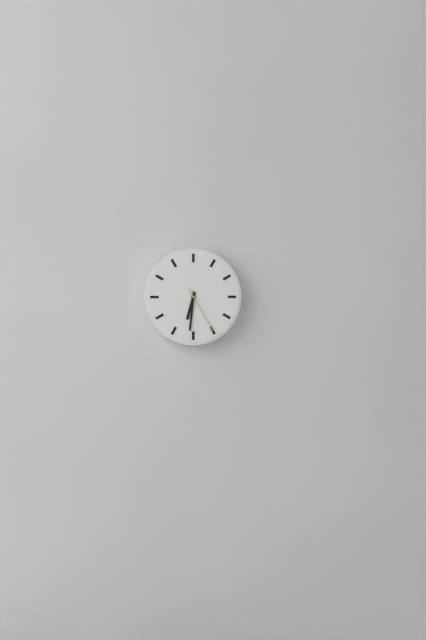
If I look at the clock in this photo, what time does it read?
6:31
